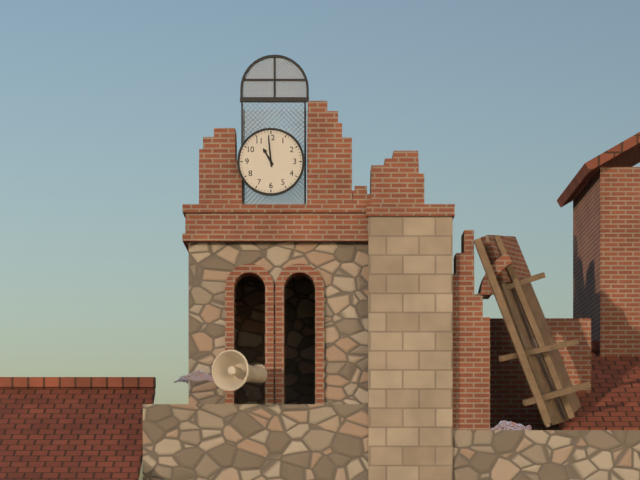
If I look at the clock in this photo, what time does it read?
10:59
